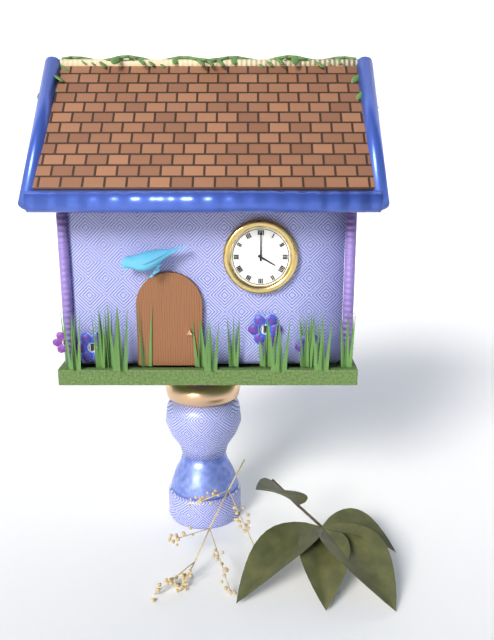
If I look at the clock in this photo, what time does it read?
4:00
